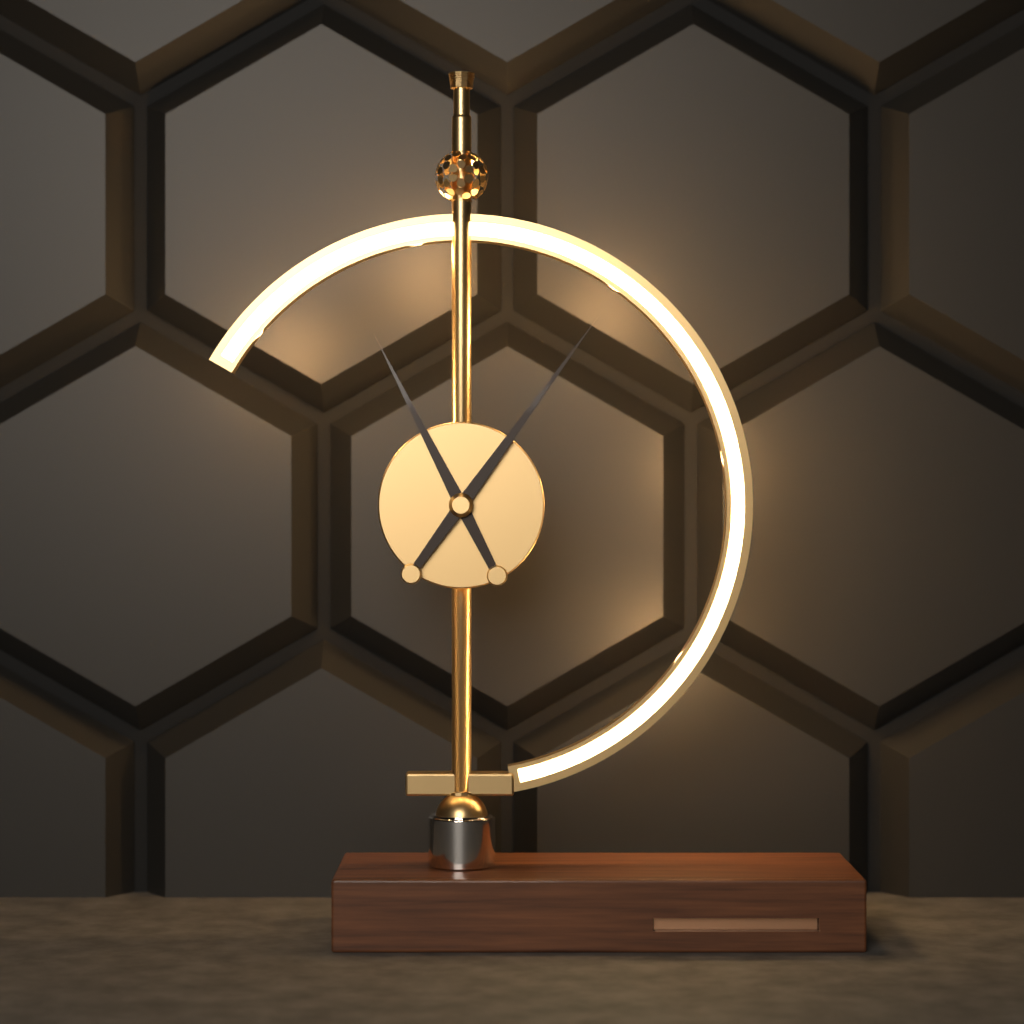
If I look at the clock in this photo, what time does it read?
11:06
